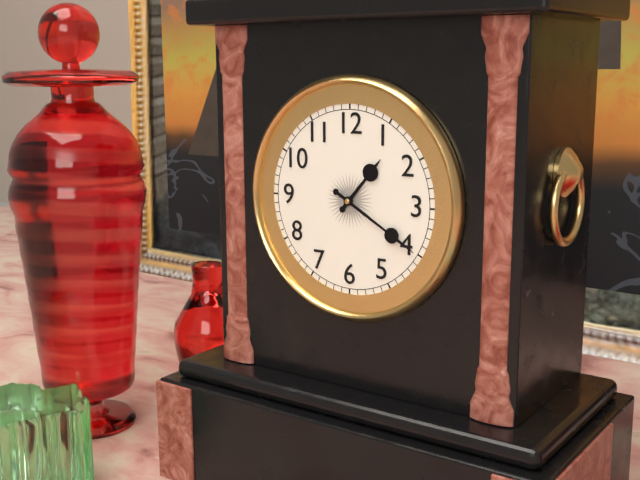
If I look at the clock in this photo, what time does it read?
1:20
